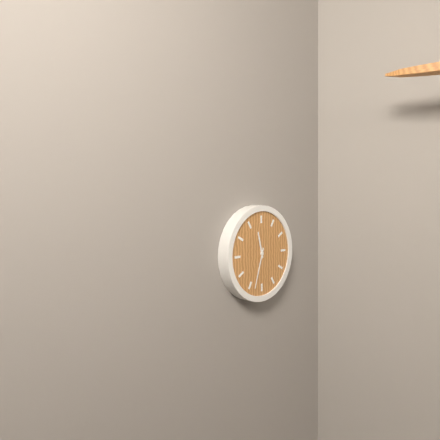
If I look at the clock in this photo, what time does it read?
11:33
